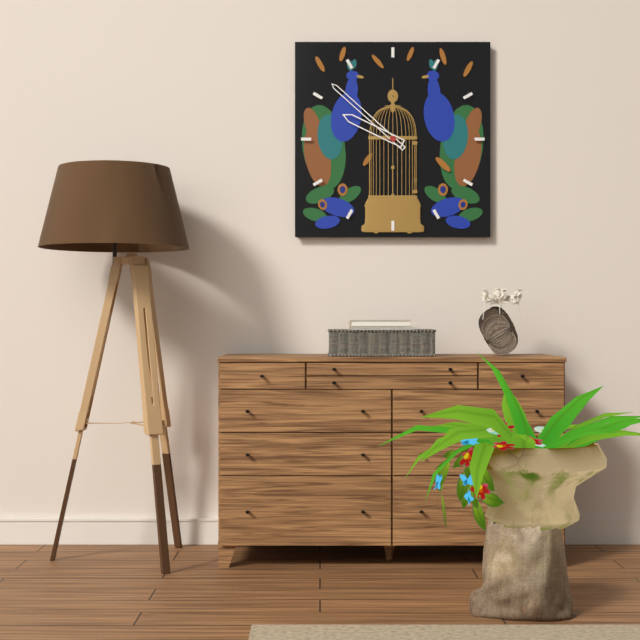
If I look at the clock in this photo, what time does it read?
9:52
